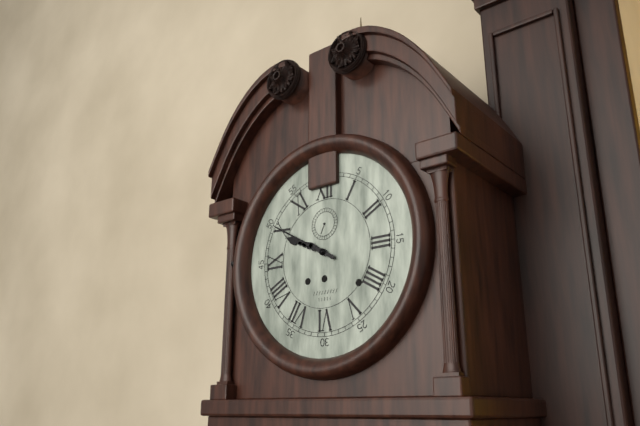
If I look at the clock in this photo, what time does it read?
9:50
